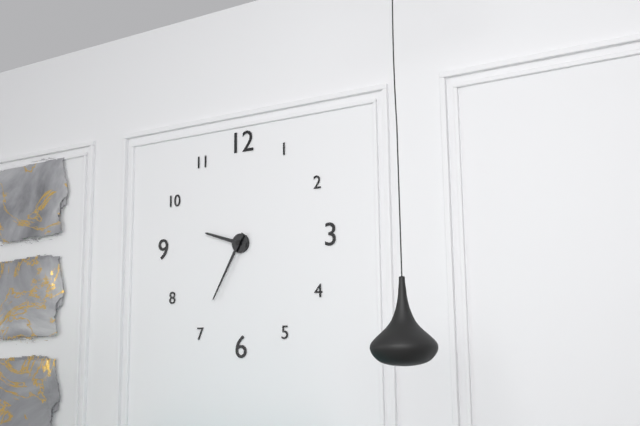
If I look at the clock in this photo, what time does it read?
9:35
